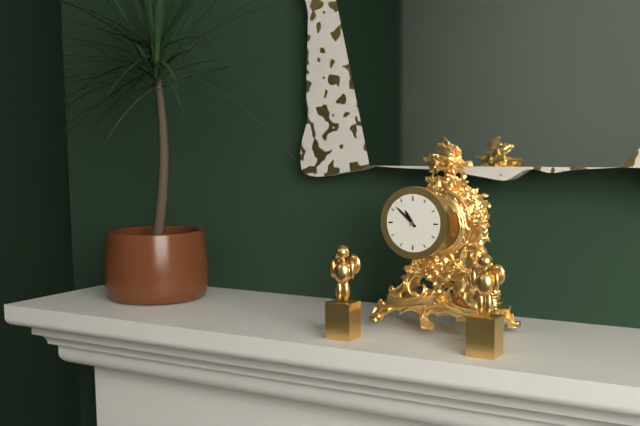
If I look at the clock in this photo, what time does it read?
10:52
